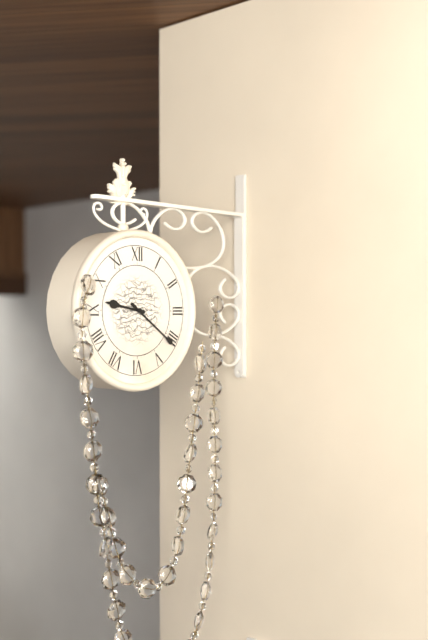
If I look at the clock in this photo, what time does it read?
9:21
